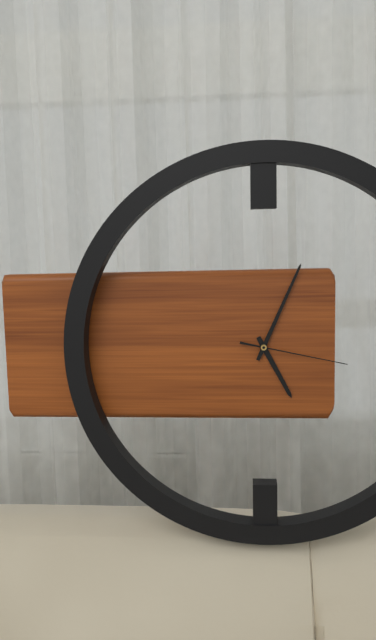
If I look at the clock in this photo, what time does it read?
5:04:17
